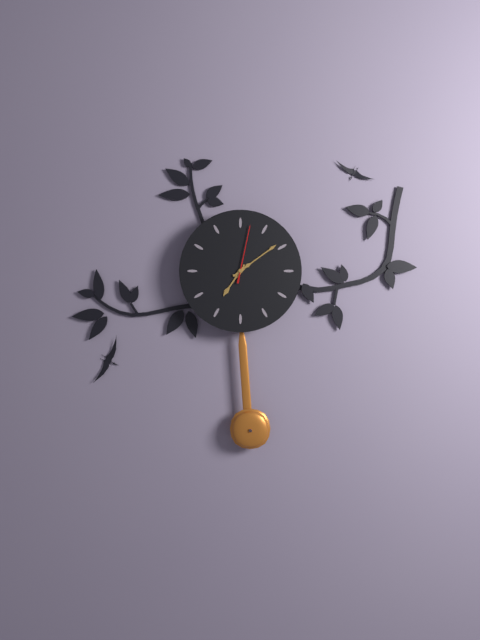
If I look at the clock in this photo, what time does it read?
7:09:02
